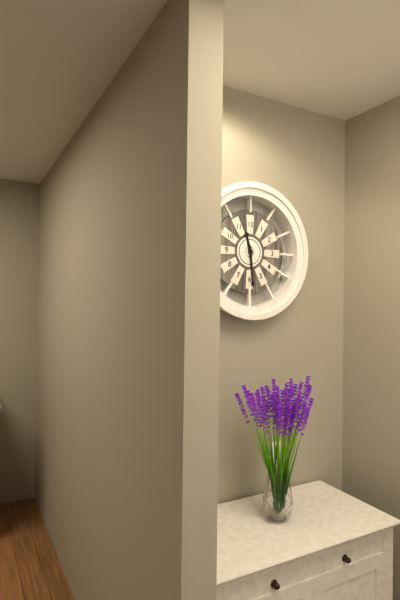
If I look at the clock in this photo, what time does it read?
11:29
